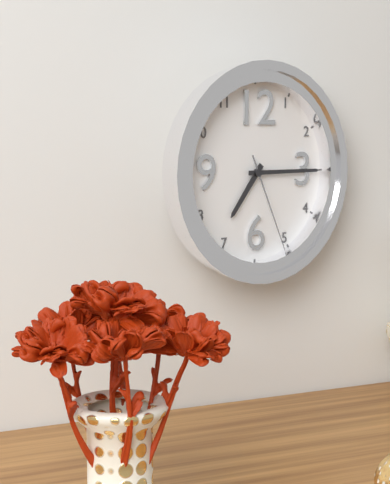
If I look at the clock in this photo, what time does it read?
7:15:26
